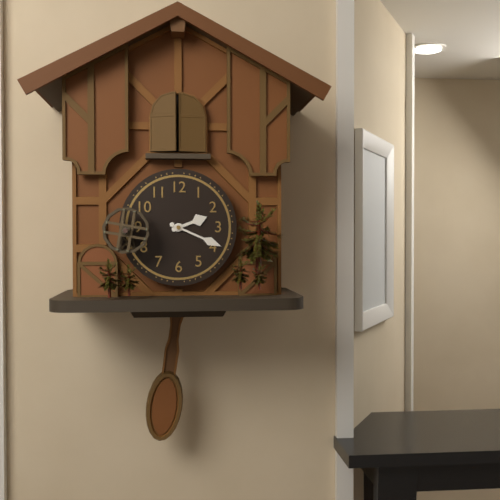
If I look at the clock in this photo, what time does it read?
2:19
